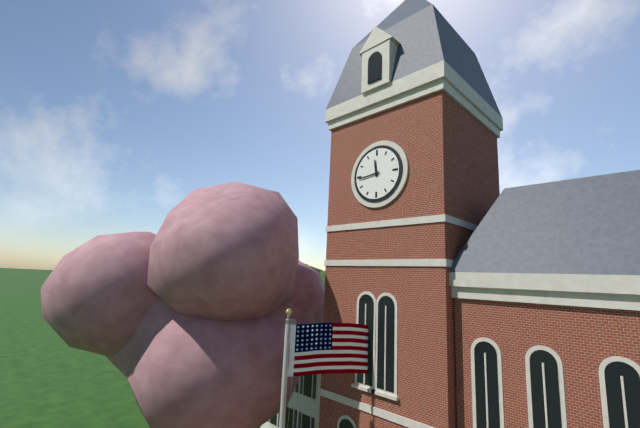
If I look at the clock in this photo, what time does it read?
11:44
